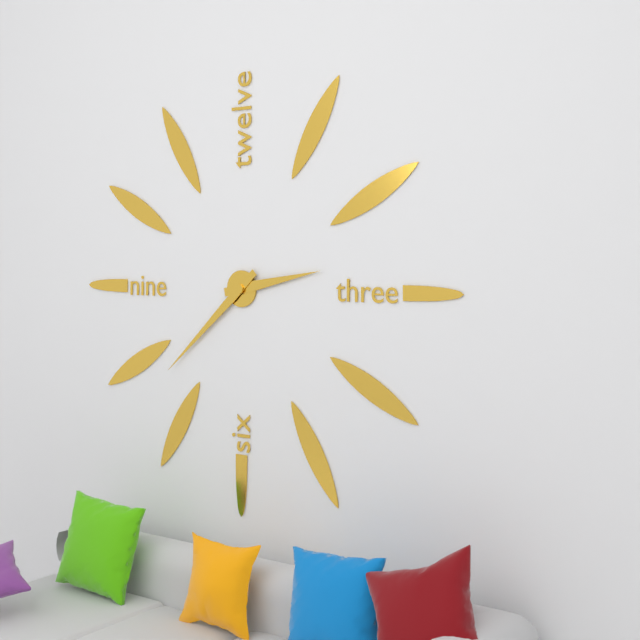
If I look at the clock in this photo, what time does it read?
2:38
